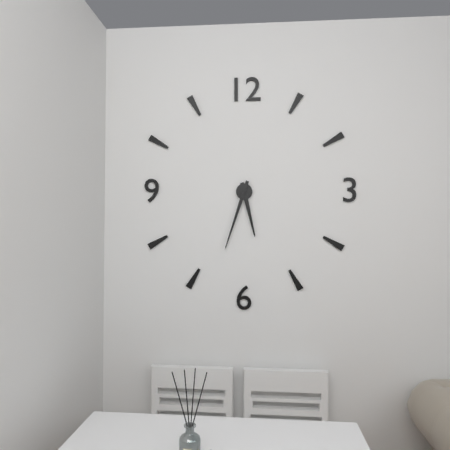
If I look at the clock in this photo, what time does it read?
5:33
